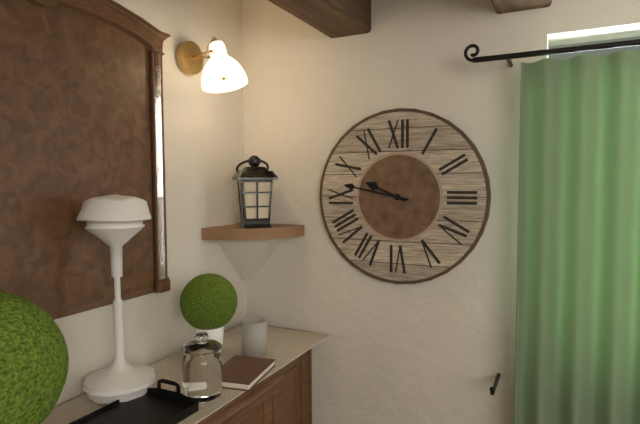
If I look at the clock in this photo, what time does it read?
9:47
